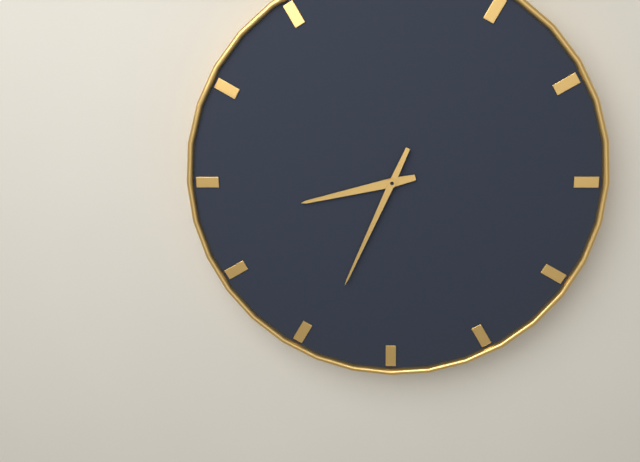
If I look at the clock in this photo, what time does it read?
8:34
